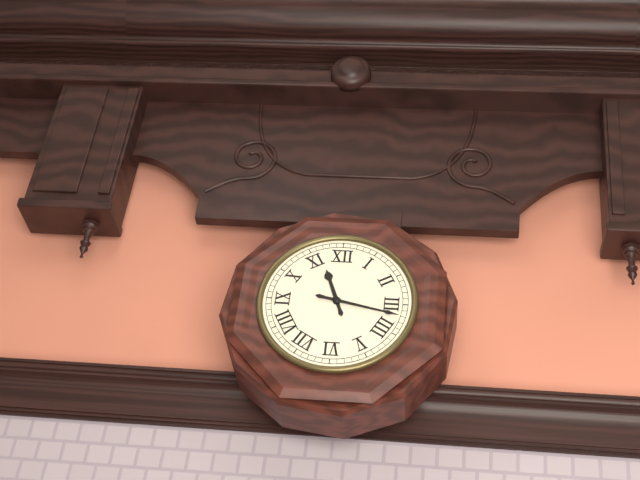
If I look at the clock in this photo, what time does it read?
11:17
